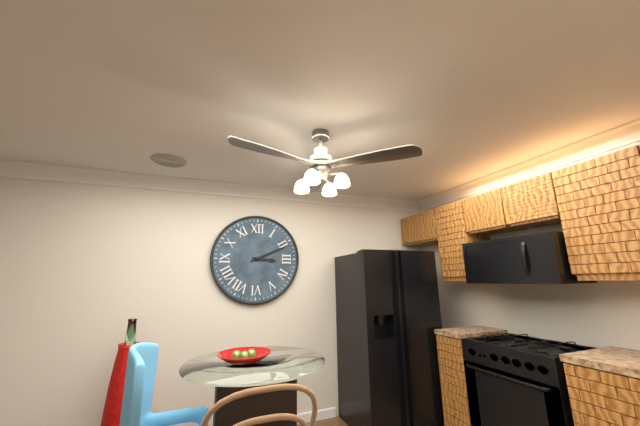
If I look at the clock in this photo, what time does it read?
3:11
